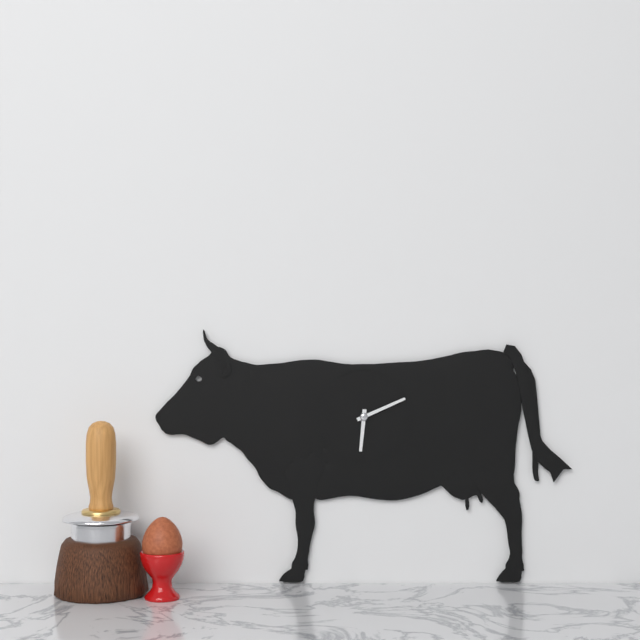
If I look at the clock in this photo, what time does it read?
6:11
